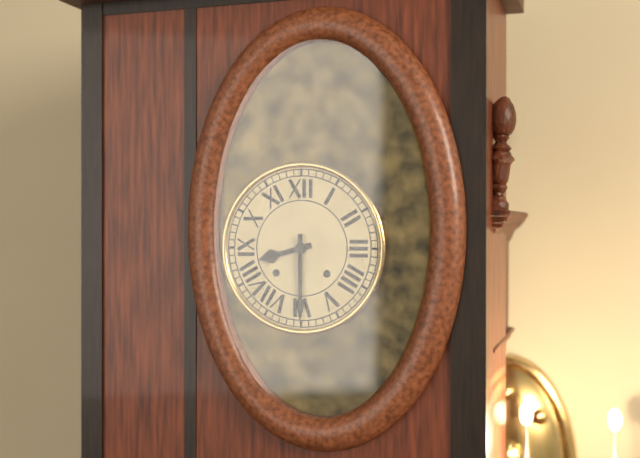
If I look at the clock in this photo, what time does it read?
8:30
